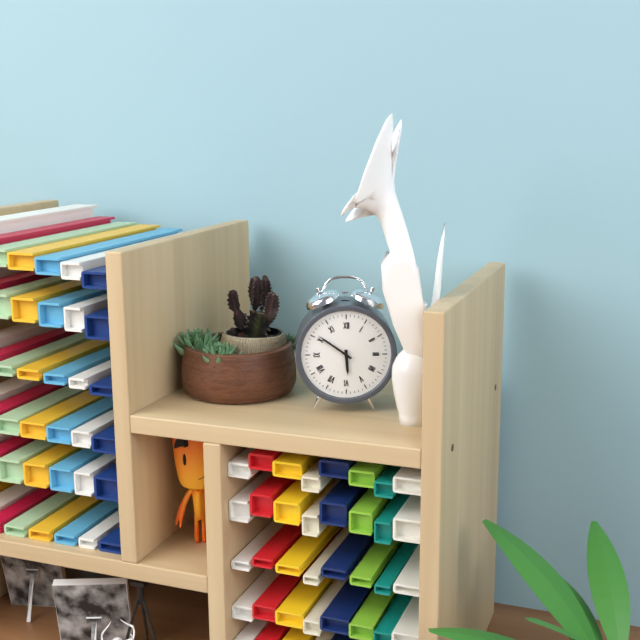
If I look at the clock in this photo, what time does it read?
5:51
